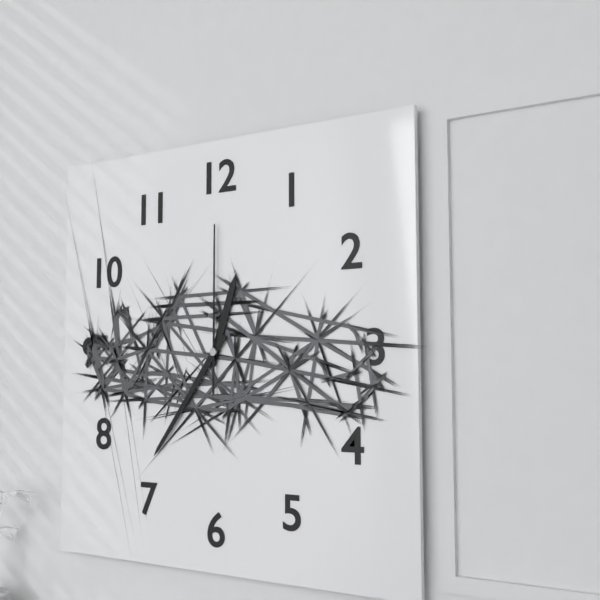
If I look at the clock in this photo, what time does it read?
12:36:00
